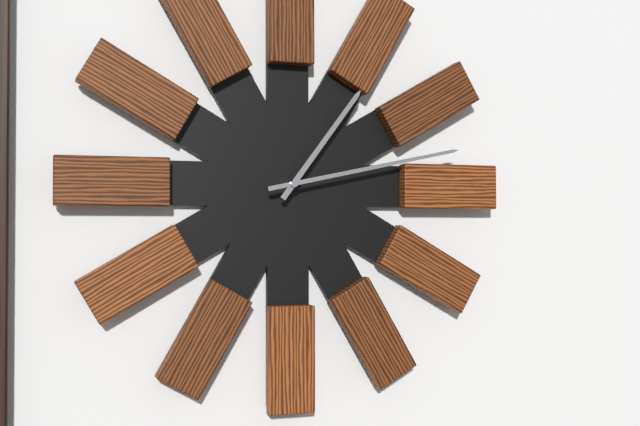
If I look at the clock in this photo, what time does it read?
1:13
